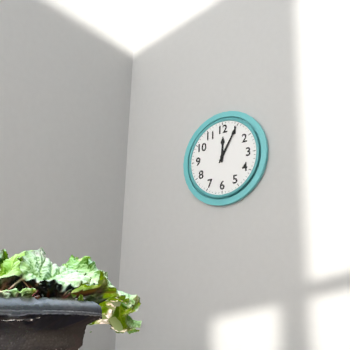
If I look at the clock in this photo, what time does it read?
12:05
